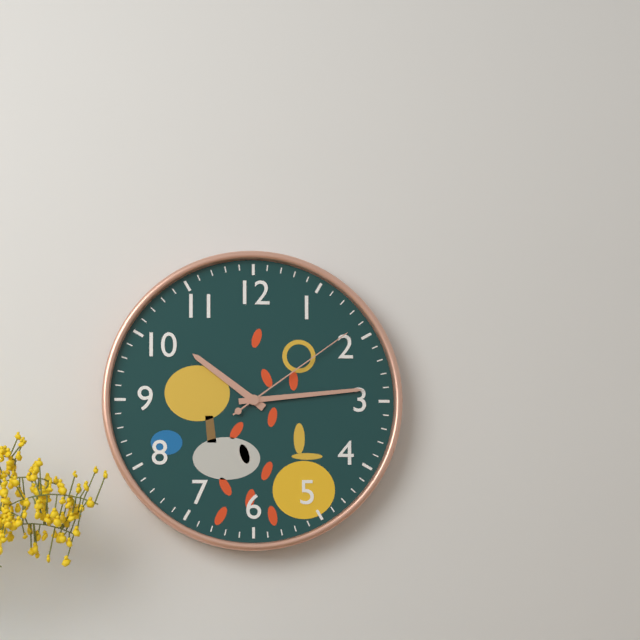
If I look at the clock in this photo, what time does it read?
10:14:09
